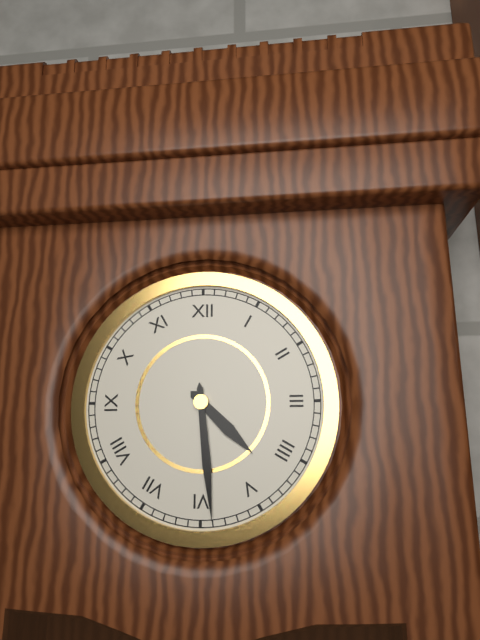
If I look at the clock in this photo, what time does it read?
4:29
